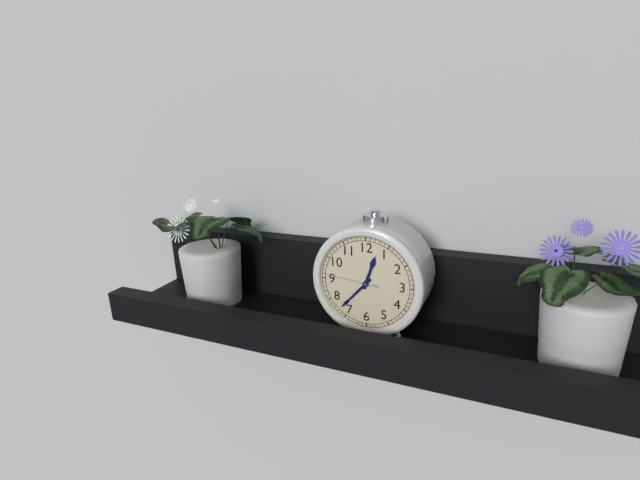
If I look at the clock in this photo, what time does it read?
12:37:46
